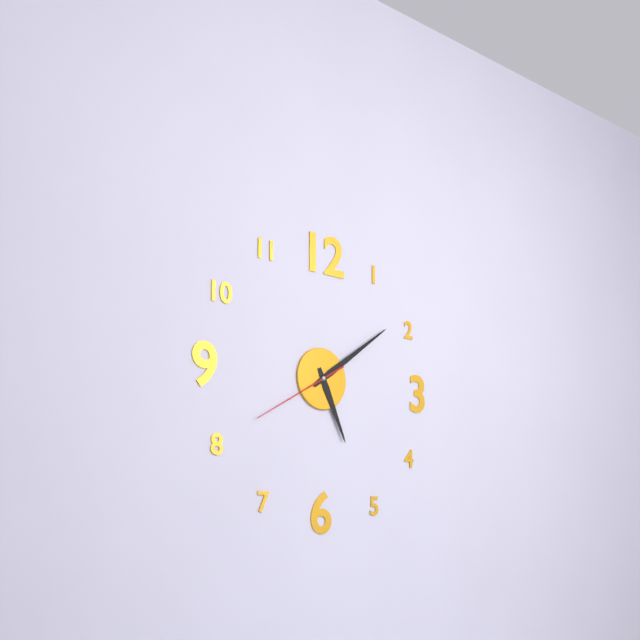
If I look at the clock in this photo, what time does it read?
5:09:40
